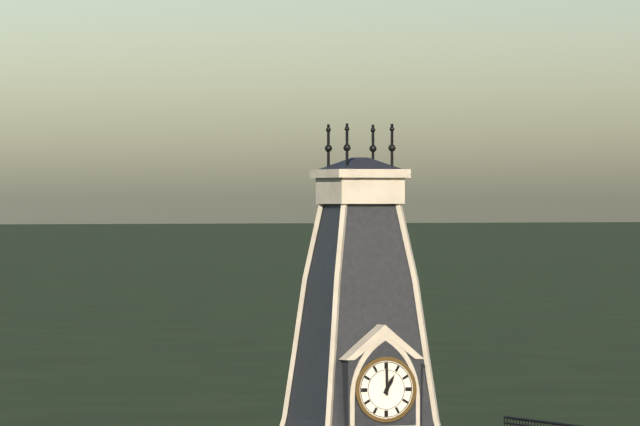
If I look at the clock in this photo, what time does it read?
1:00
